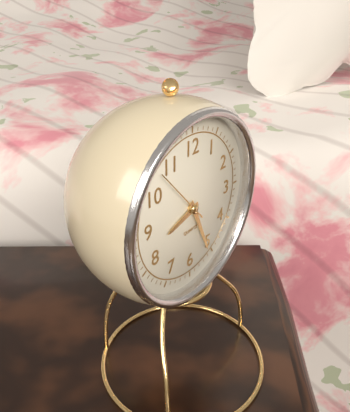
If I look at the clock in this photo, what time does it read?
8:26:53
